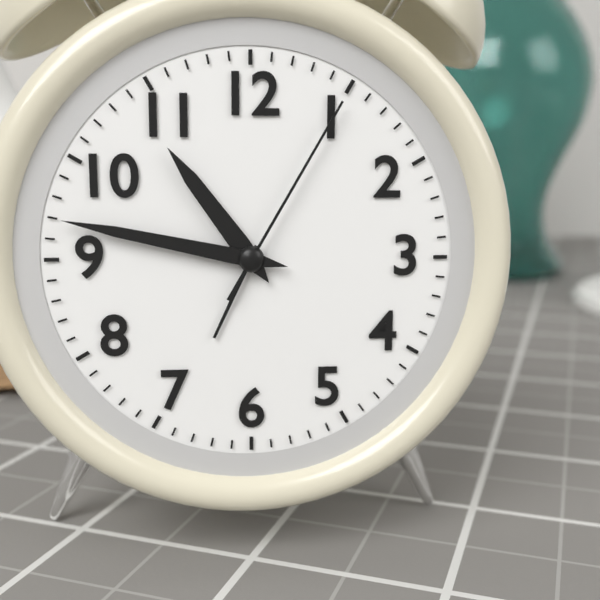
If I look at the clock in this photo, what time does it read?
10:47:05
